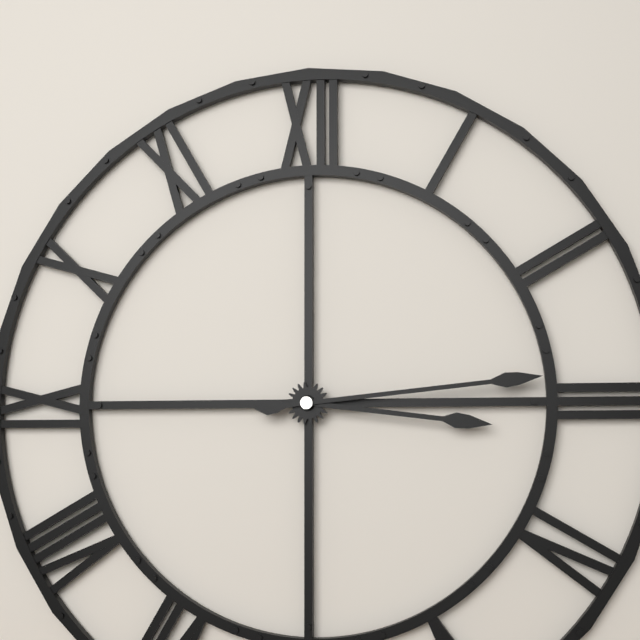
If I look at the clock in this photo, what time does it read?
3:14
